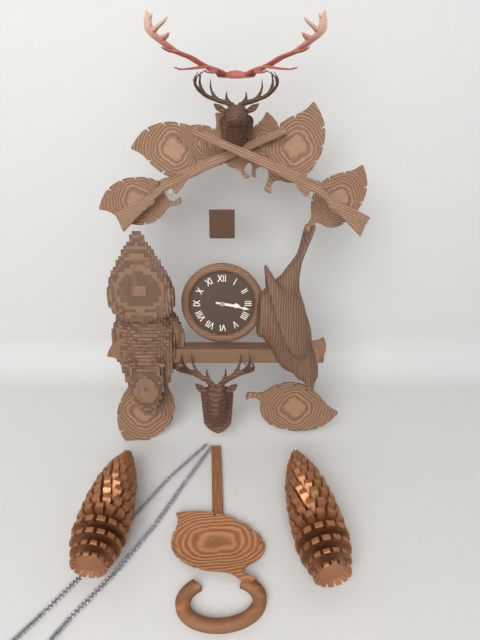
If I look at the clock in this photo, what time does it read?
3:17
